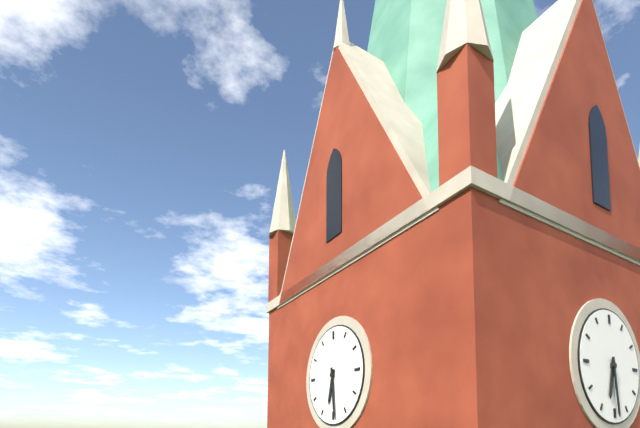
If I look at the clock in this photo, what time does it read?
6:29
